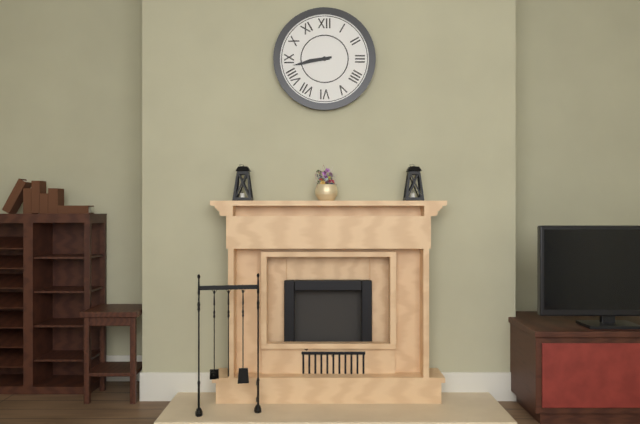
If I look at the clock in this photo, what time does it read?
8:43
